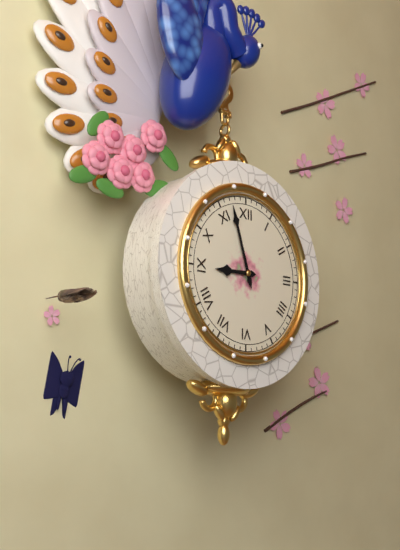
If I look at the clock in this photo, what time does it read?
8:57
